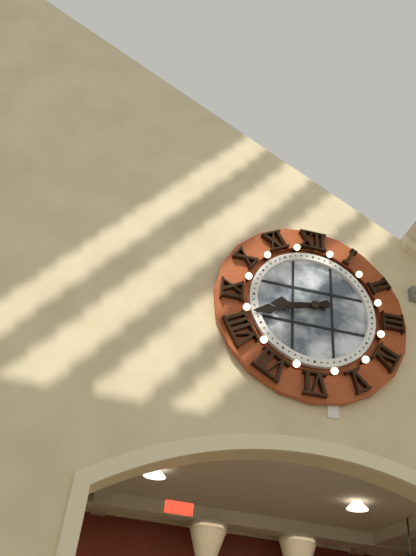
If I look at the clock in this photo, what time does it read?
8:42
